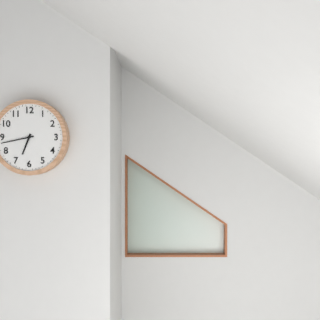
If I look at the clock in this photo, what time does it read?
6:43
